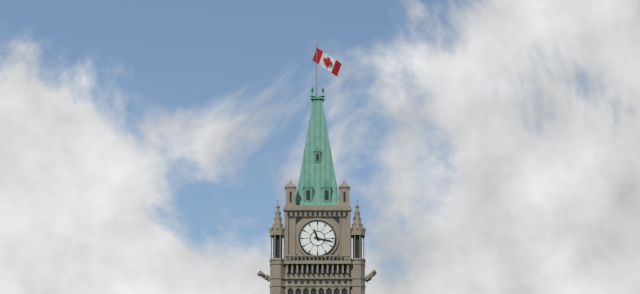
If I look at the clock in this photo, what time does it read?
11:17
